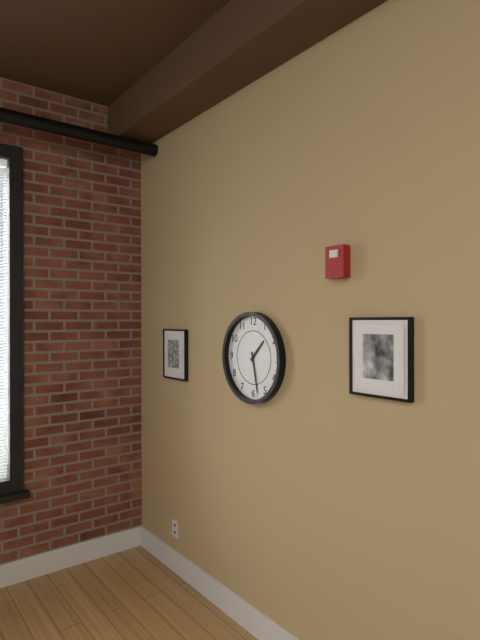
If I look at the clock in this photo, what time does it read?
1:28
